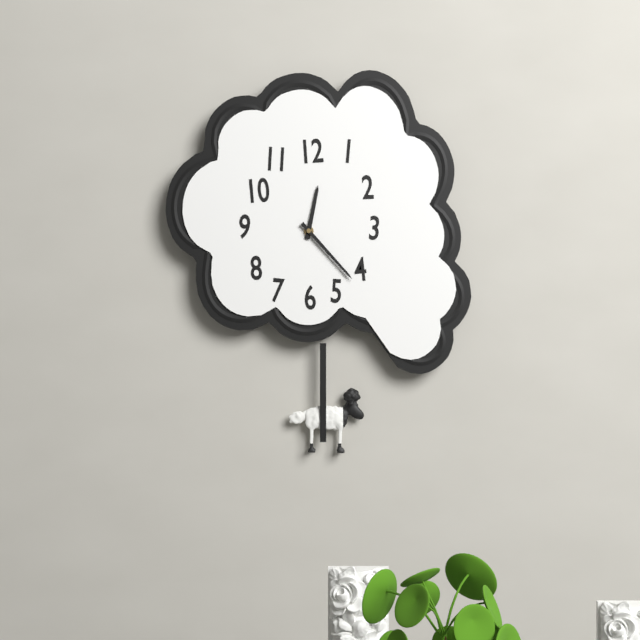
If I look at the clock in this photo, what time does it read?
12:23
